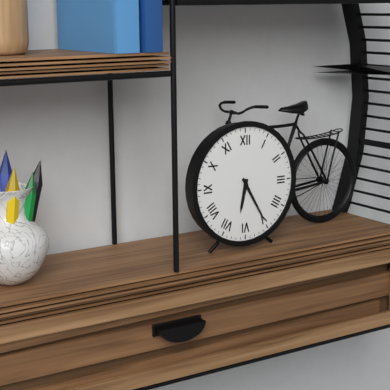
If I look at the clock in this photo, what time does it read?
6:25
